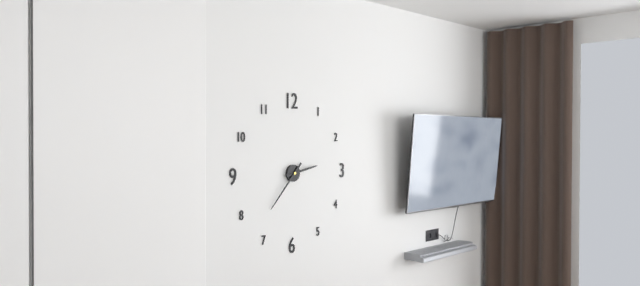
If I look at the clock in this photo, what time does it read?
2:37
